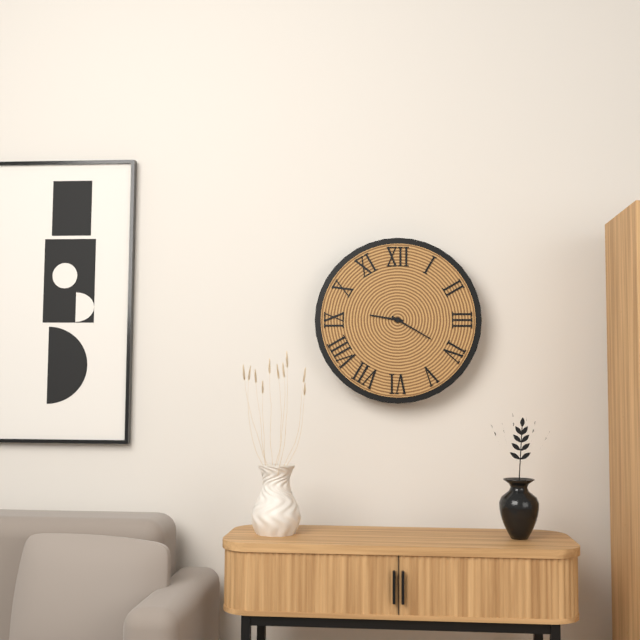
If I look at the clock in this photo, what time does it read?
9:20
